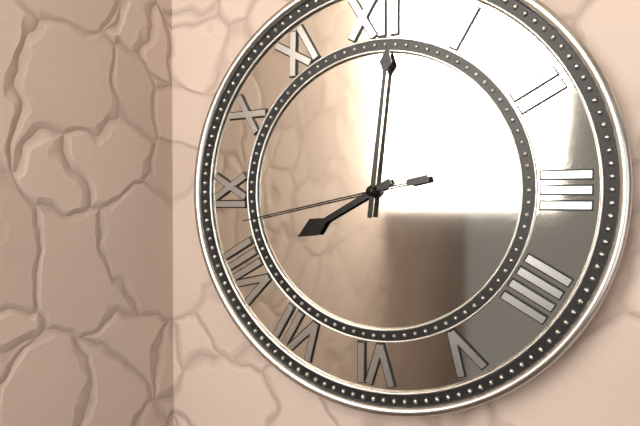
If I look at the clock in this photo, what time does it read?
8:01:43
